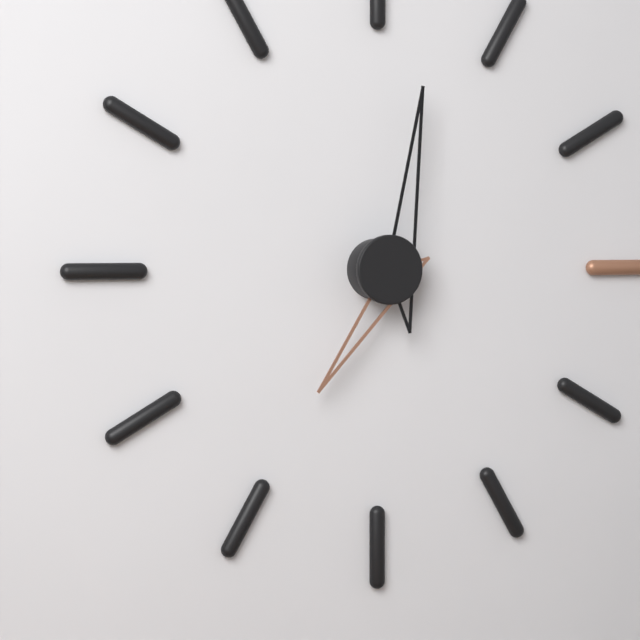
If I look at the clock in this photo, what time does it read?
7:02
